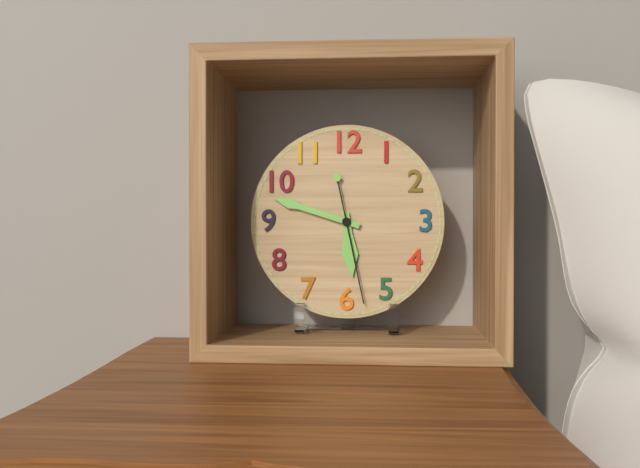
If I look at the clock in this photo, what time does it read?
5:48:28
